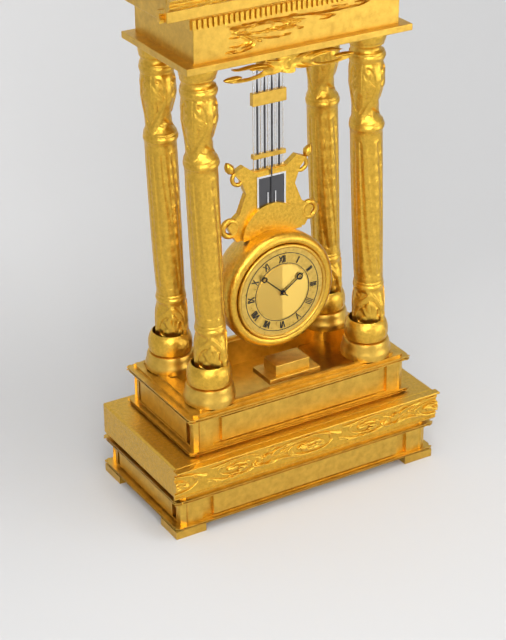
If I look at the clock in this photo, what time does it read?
1:52
